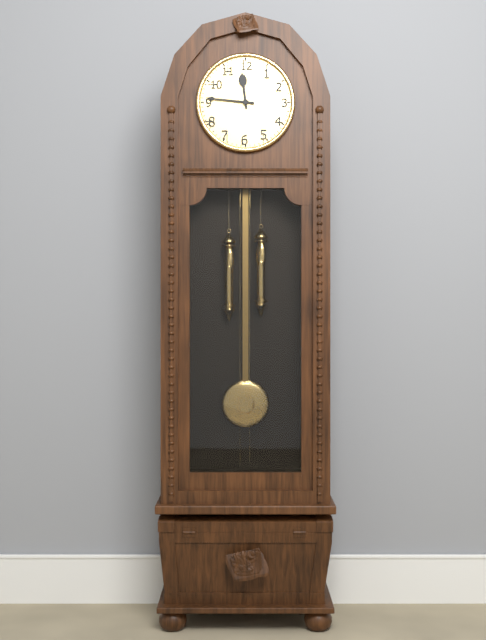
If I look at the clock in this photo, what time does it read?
11:46
